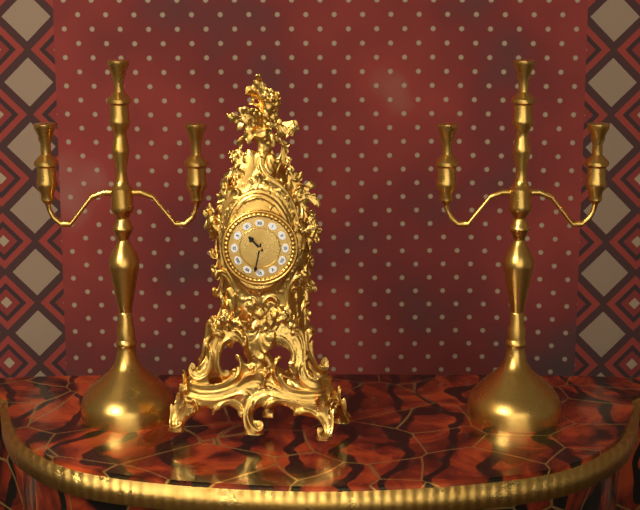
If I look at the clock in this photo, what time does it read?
10:32
